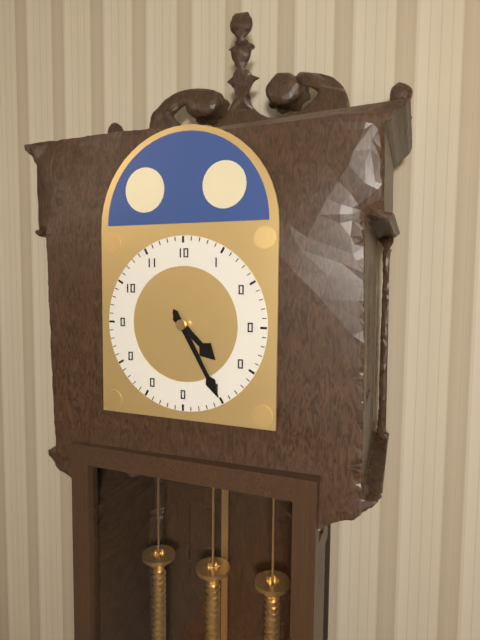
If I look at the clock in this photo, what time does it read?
4:25
